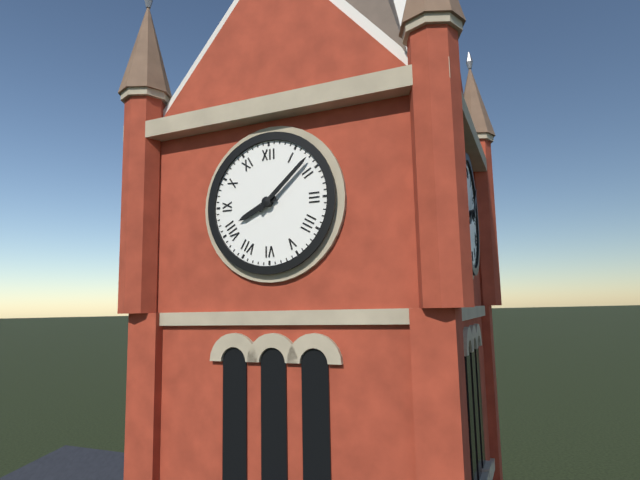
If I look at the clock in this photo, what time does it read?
8:08
